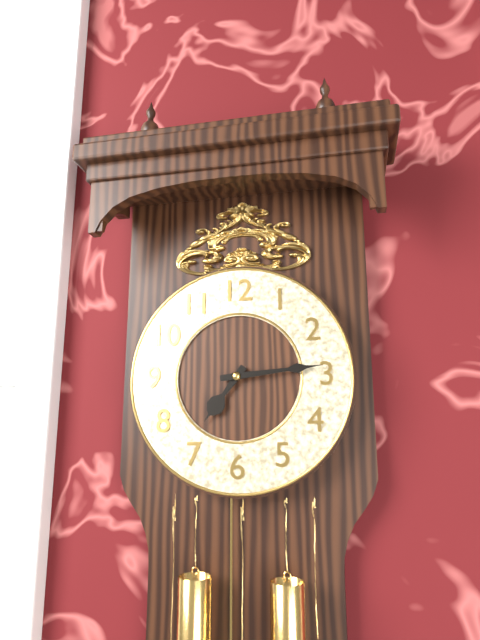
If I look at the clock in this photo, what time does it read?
7:14
